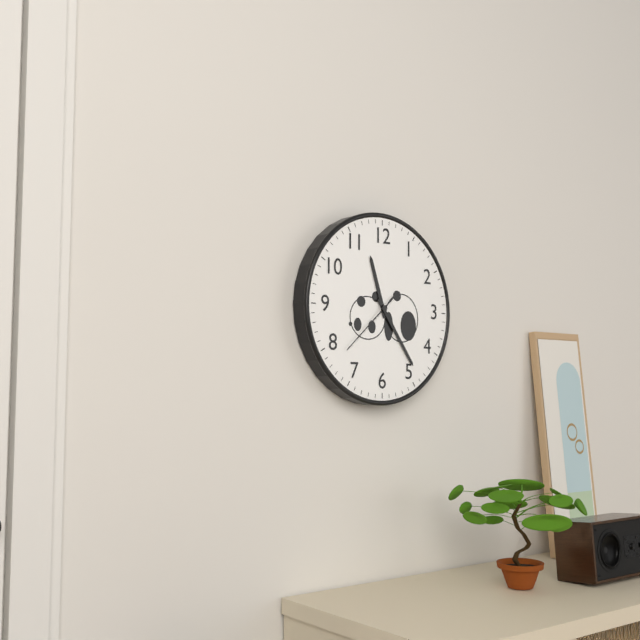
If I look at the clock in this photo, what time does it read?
11:24:38
